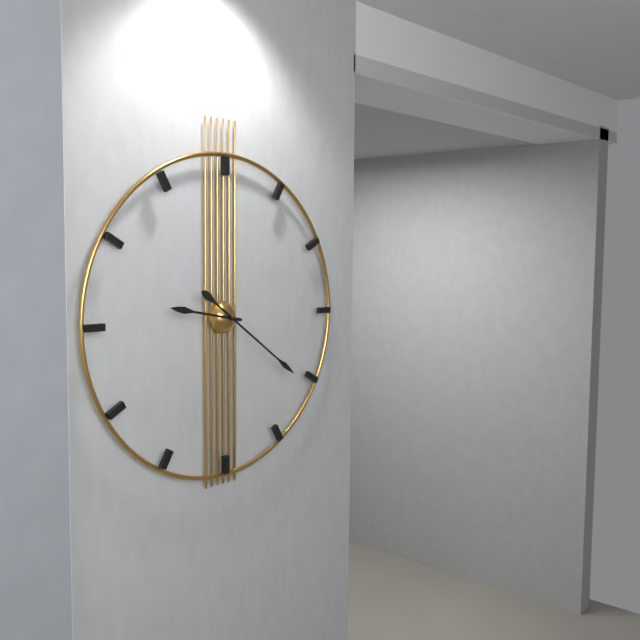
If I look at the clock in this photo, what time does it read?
9:21
